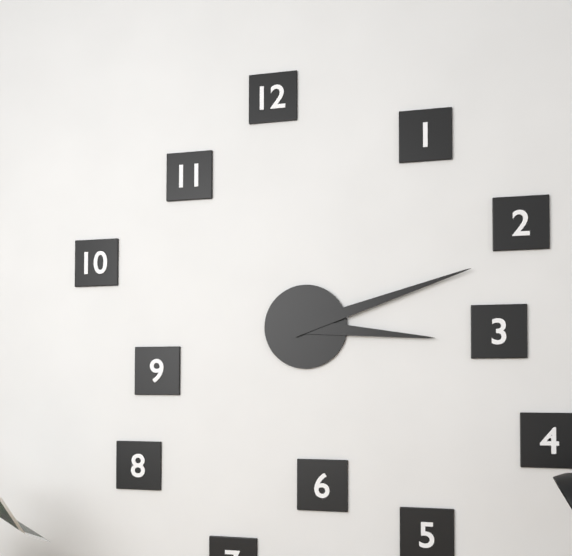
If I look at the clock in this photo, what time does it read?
3:12
